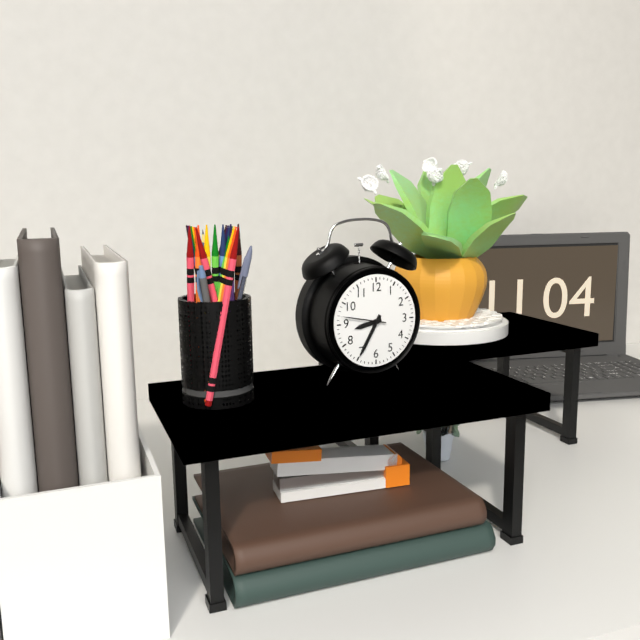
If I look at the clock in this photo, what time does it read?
8:35
